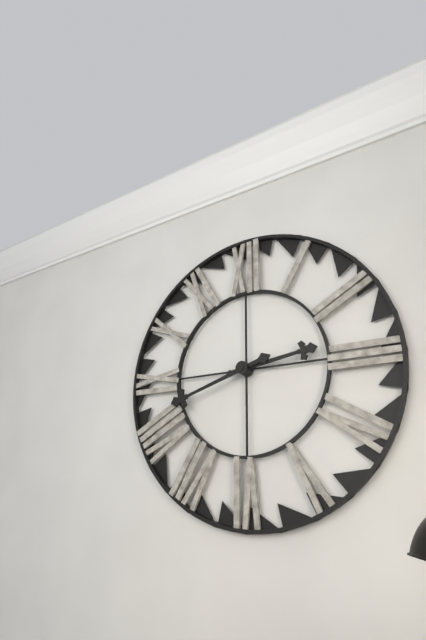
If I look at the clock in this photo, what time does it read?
2:42
